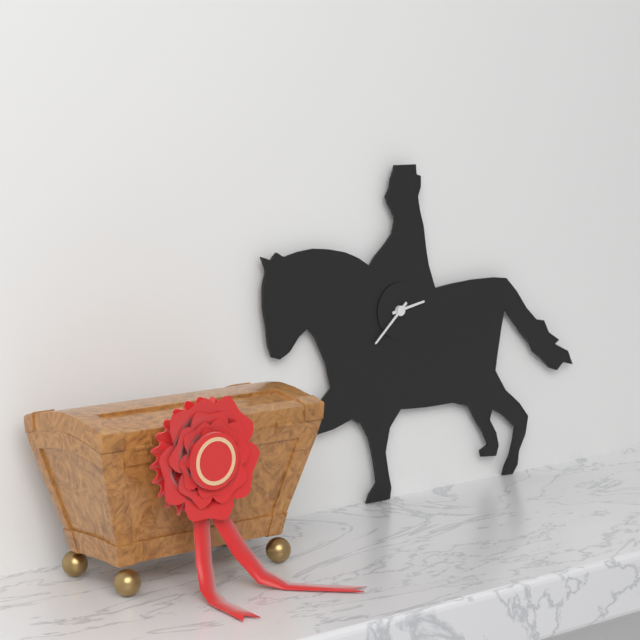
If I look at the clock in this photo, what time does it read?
2:38
